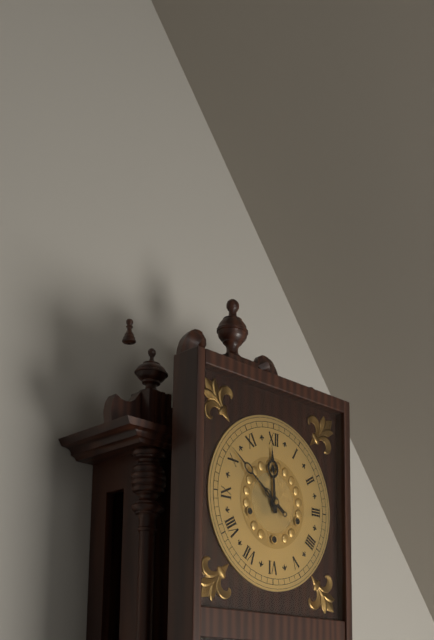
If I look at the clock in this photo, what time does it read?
11:51
